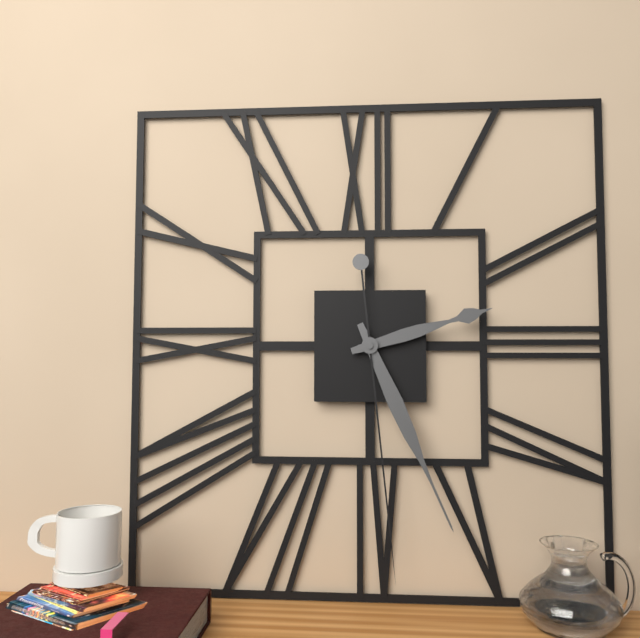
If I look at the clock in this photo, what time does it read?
2:26:29
